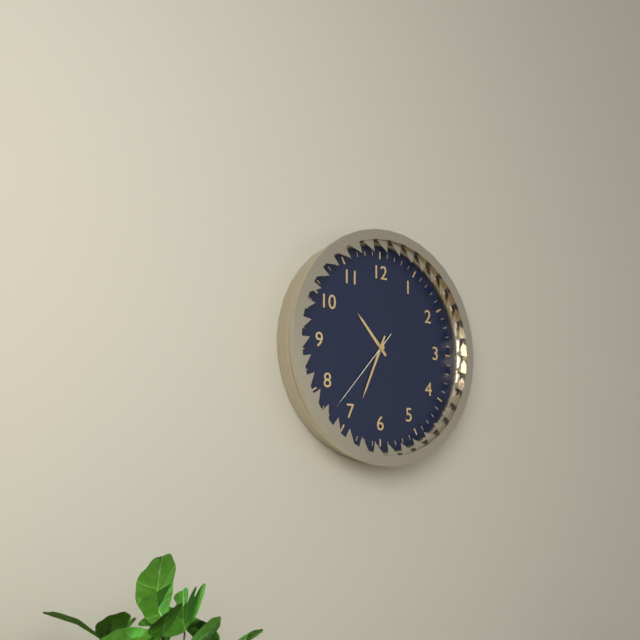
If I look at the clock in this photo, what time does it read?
10:34:37
